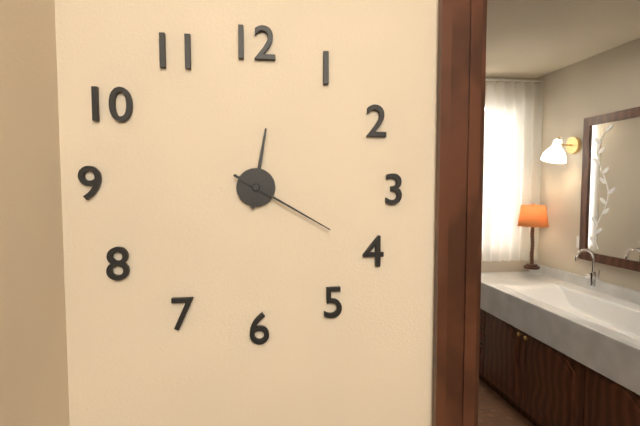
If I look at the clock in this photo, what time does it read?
12:20
